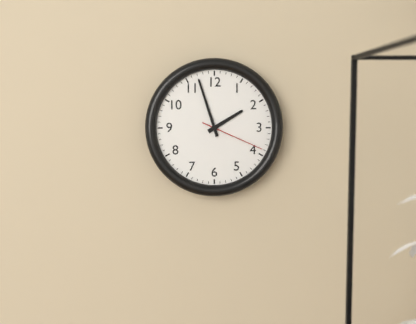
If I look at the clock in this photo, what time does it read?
1:57:19
